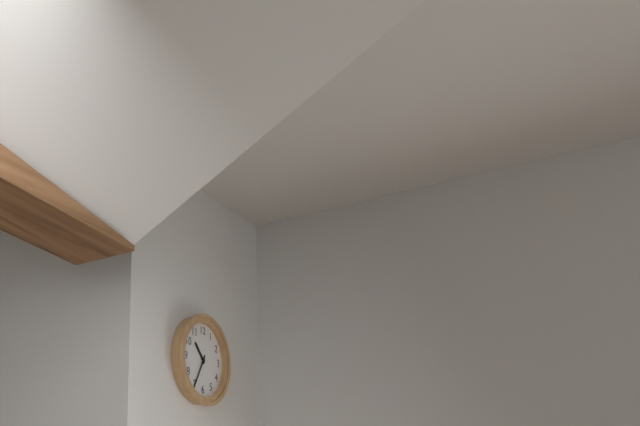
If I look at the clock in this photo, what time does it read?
10:35
